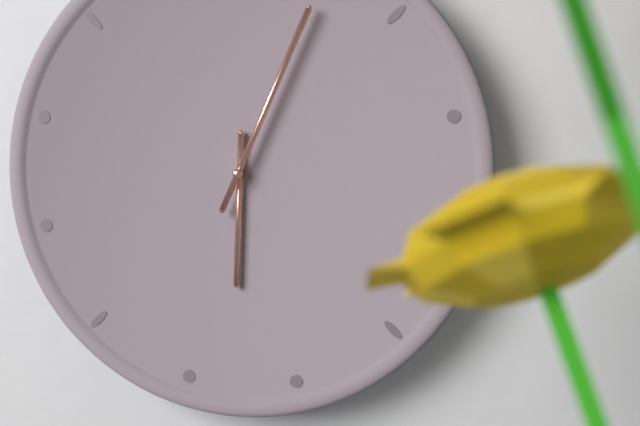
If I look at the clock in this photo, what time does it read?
6:04
